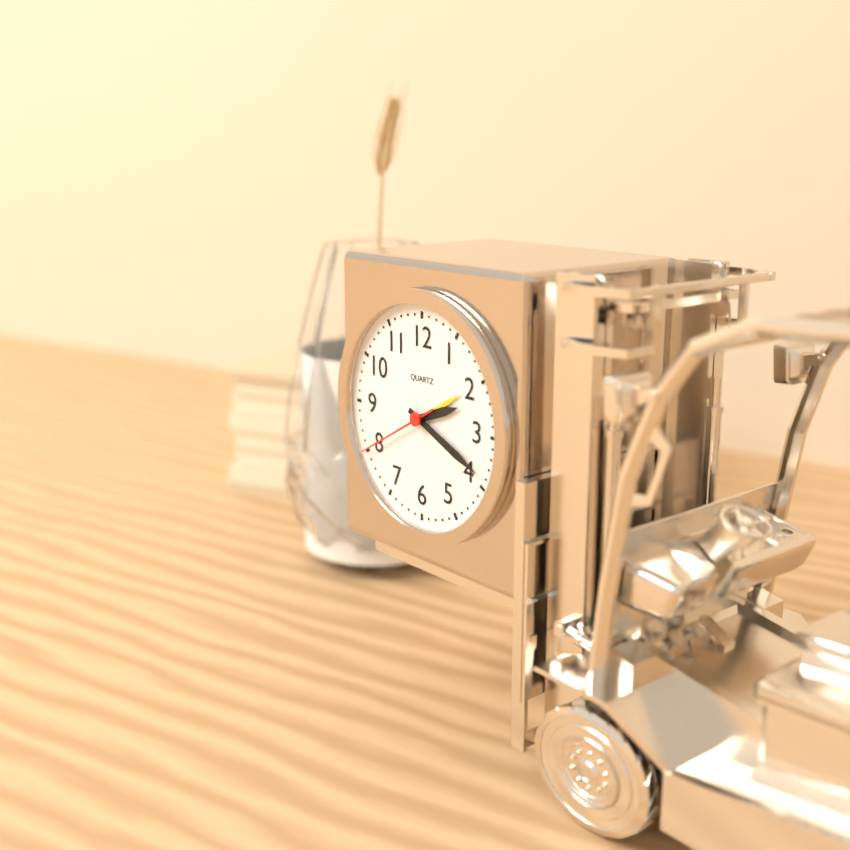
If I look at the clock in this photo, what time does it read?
2:19:40
